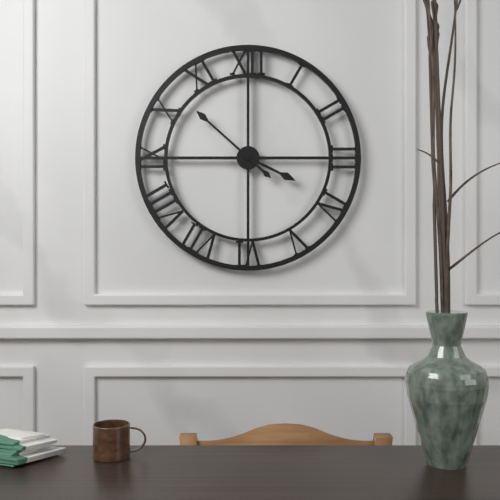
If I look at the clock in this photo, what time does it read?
3:52
